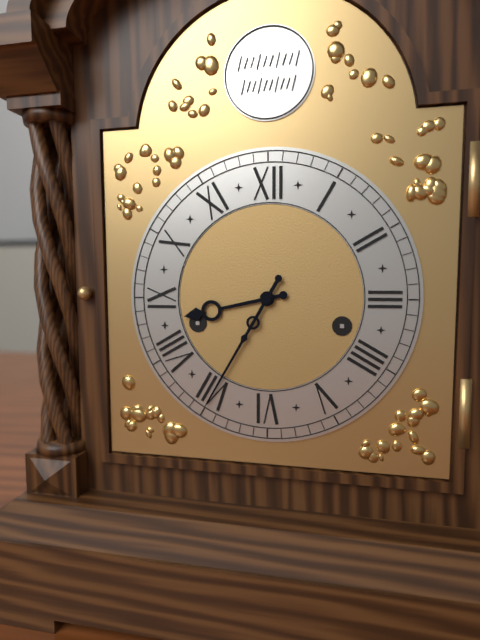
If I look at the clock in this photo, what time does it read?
8:35
